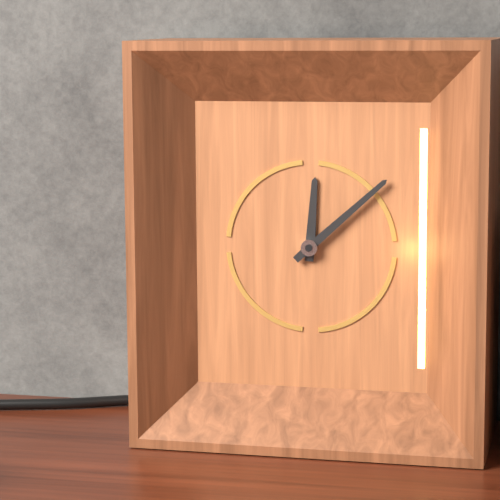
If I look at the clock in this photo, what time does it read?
12:08
